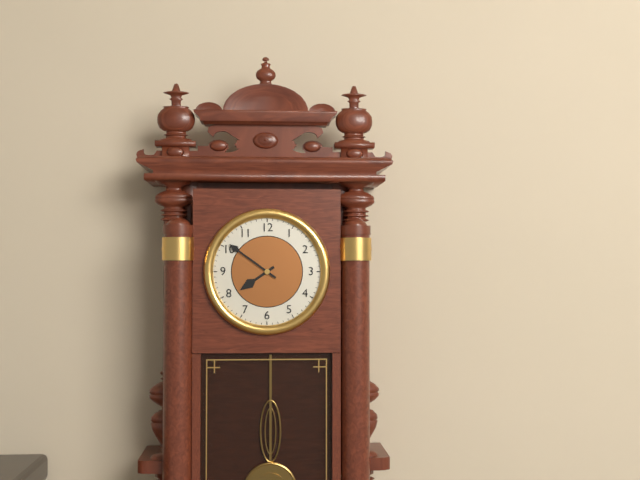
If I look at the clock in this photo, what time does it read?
7:51
